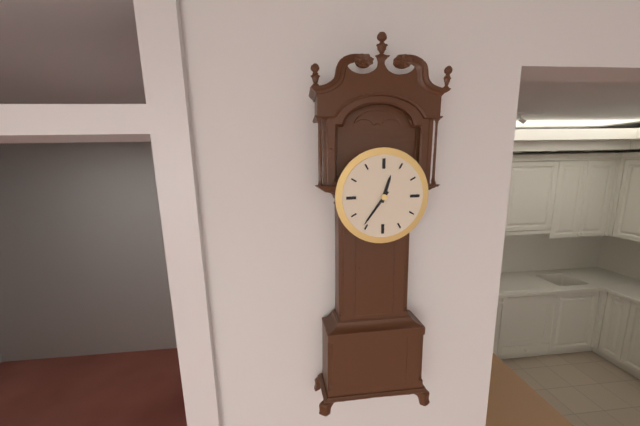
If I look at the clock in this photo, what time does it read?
12:36
